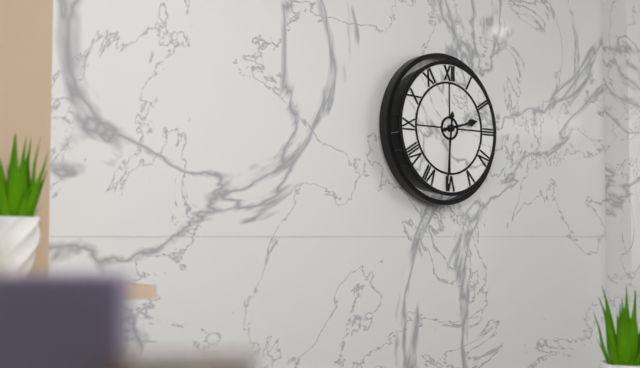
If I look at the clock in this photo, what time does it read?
2:31
